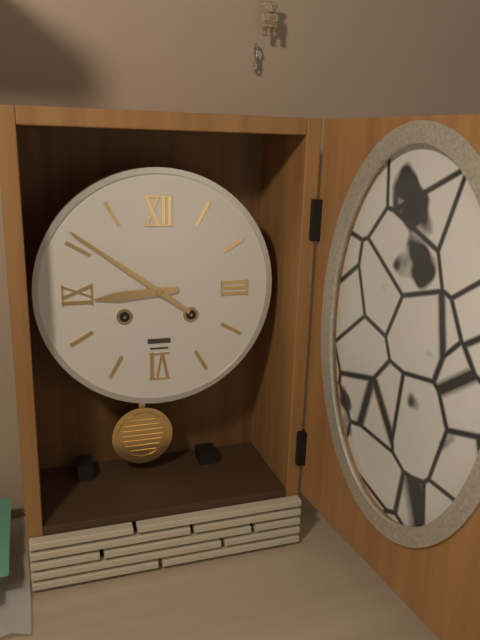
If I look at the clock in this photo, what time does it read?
8:51
